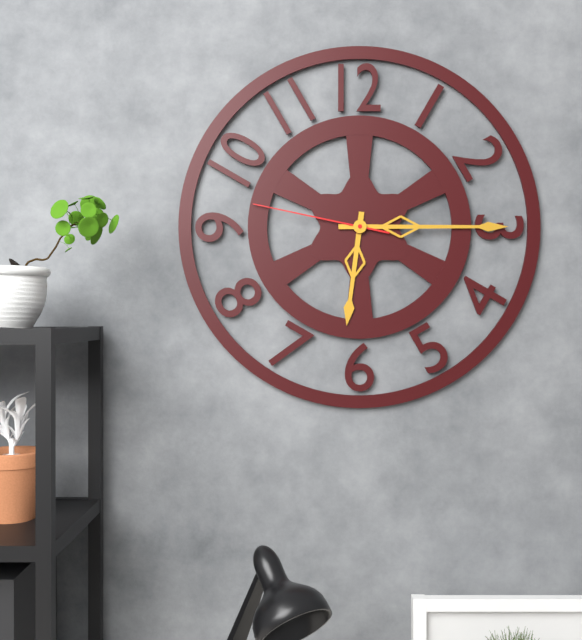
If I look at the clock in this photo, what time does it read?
6:15:47
